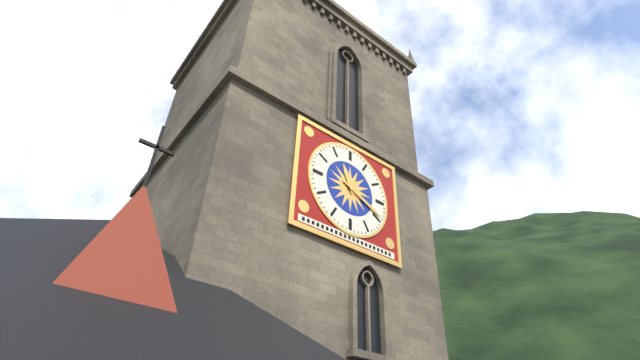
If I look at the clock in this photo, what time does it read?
11:19
